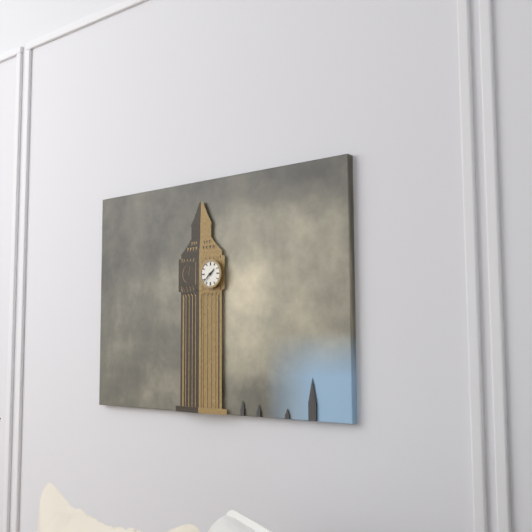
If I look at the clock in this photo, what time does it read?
1:38
